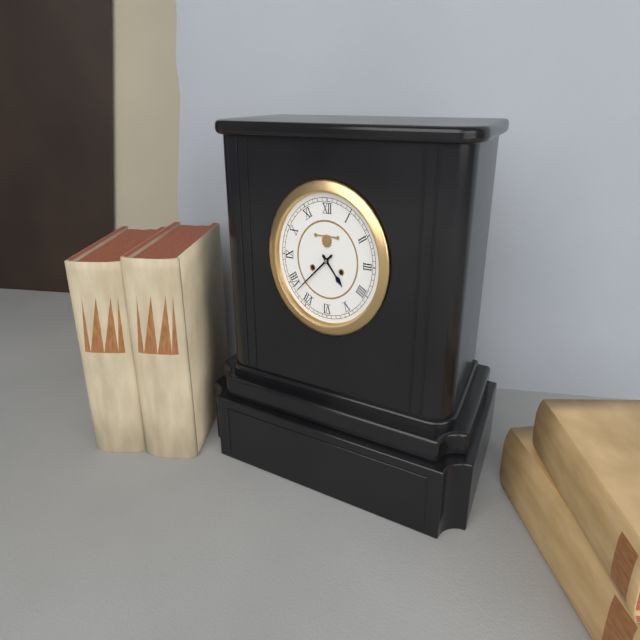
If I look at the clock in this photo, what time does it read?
4:38
